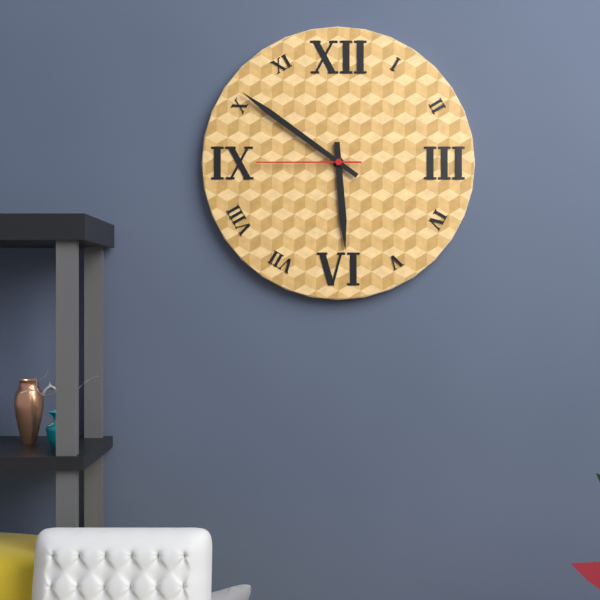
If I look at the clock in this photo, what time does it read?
5:51:45
